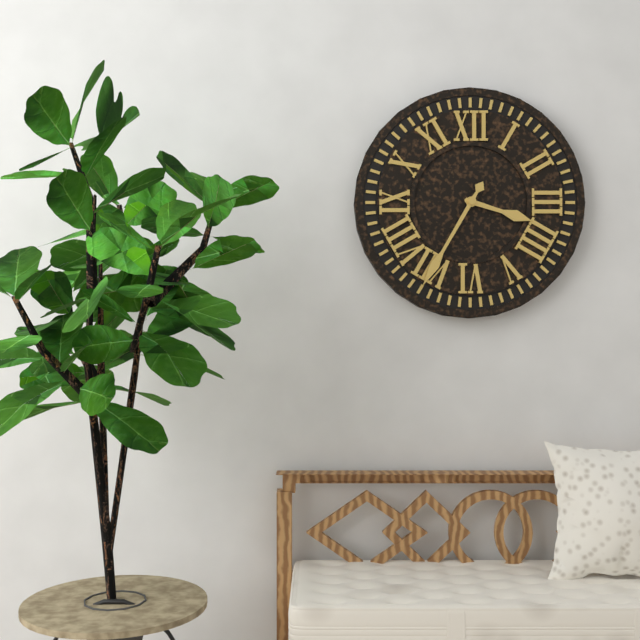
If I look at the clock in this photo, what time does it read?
3:35
